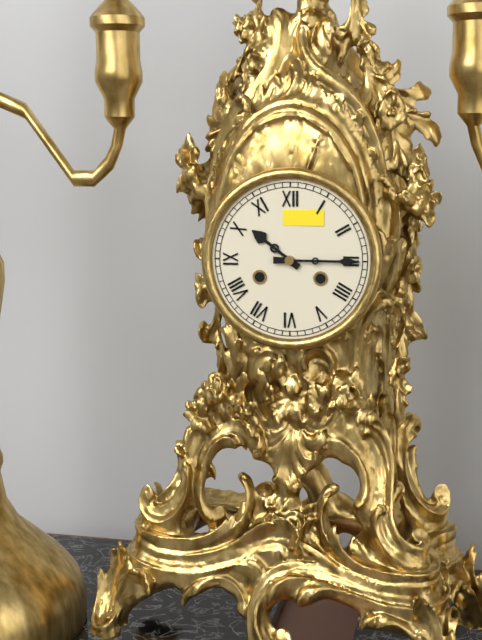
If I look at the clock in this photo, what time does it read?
10:15
